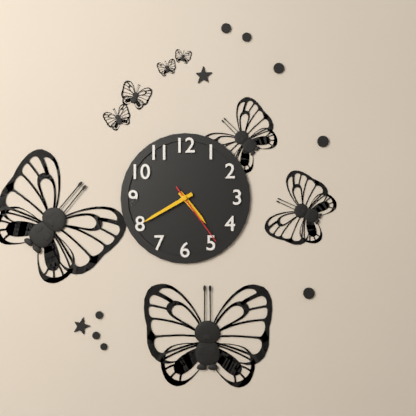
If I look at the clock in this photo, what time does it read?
4:40:24
